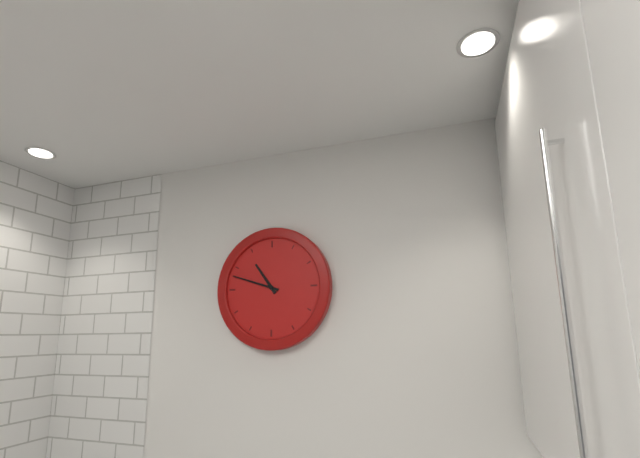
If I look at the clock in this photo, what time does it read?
10:48
